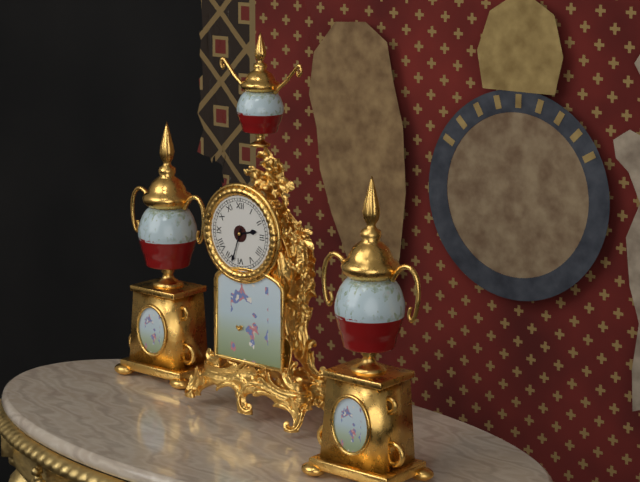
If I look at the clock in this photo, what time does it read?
2:33
